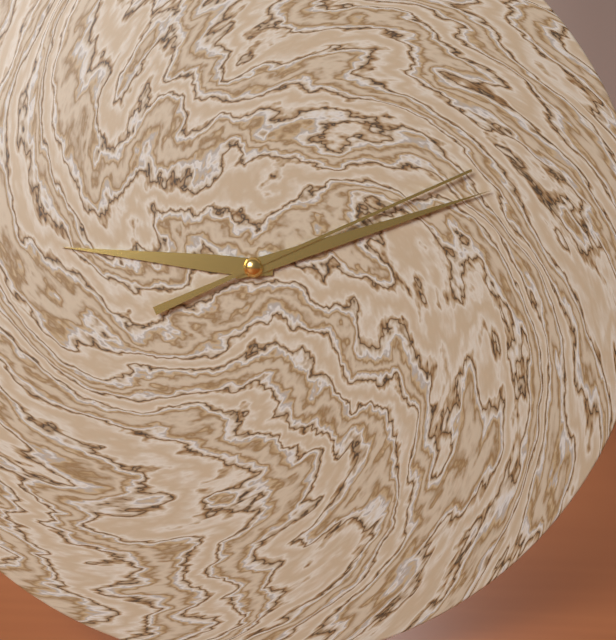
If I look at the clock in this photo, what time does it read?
9:12:11
